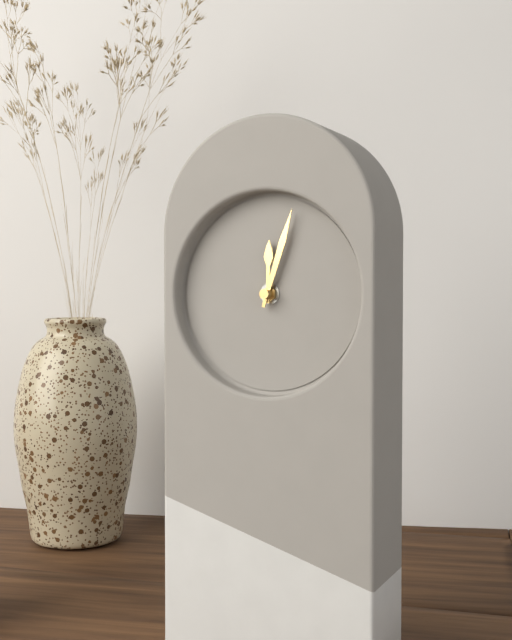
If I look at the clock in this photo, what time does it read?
12:03
